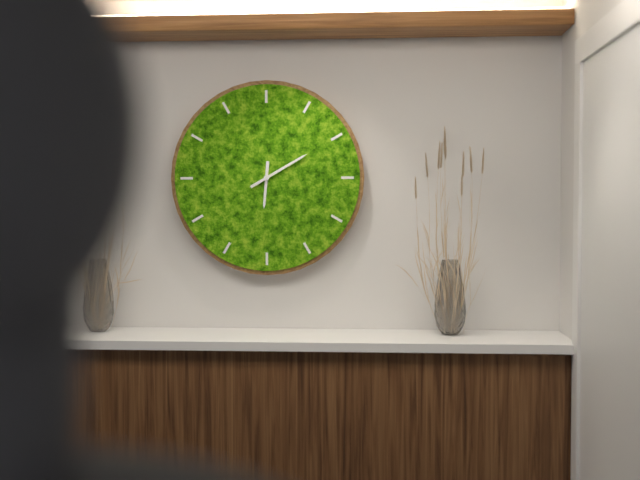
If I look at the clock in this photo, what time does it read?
6:10
